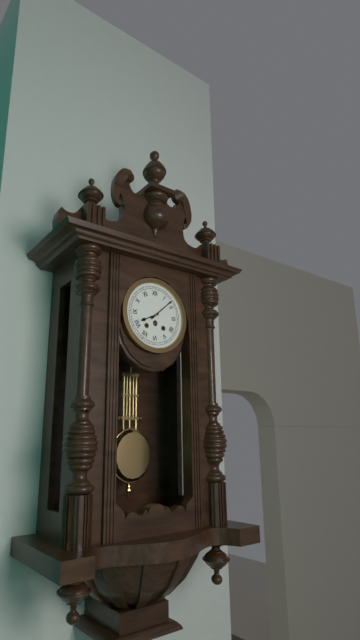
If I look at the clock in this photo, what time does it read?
8:08
